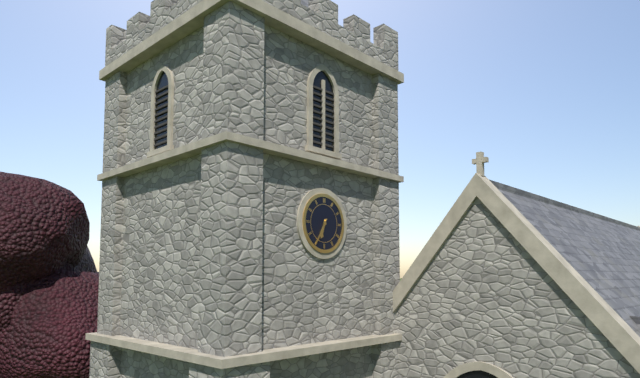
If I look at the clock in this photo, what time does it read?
6:35
